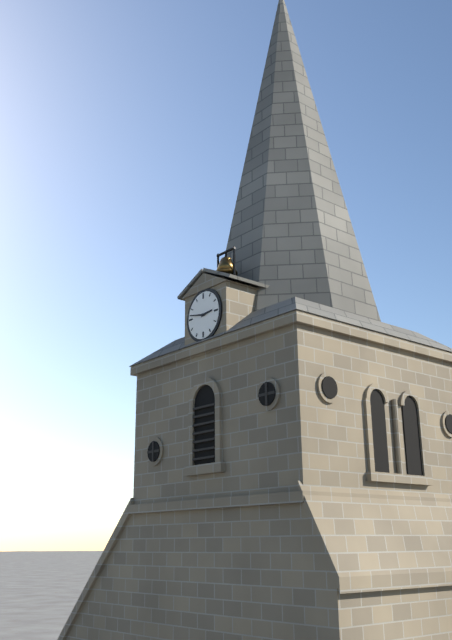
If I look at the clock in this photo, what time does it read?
2:47
